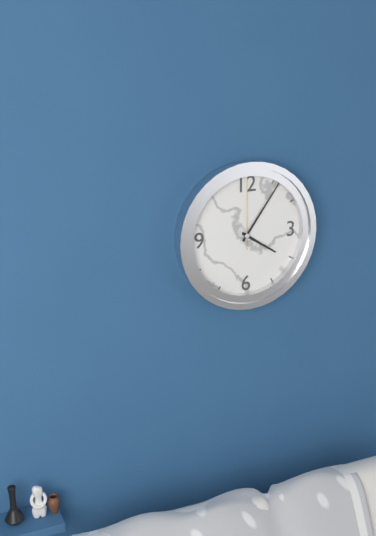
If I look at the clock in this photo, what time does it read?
4:06:00
